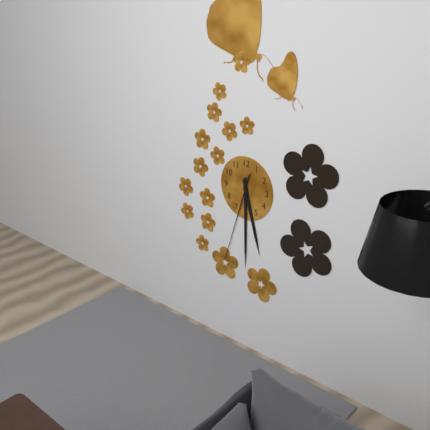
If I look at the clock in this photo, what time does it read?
5:30:33
